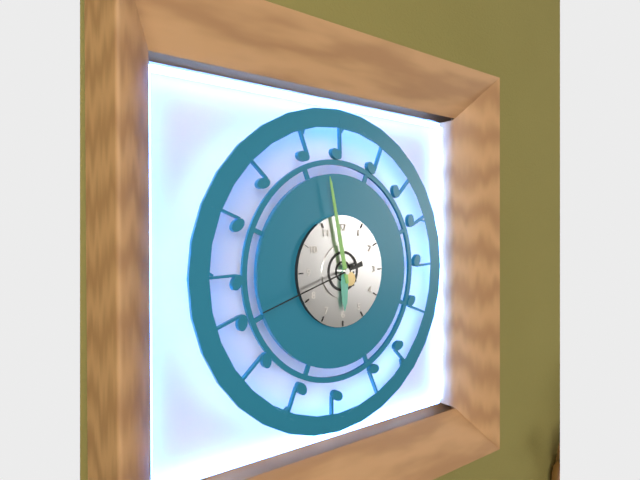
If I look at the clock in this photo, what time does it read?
5:58:42
